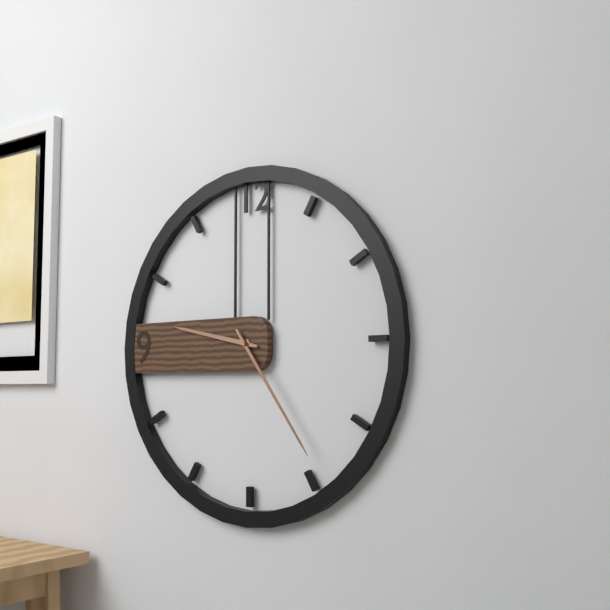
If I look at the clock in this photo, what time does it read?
9:24
